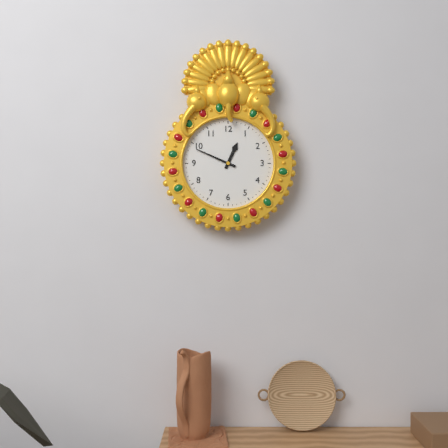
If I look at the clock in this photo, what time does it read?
12:49
